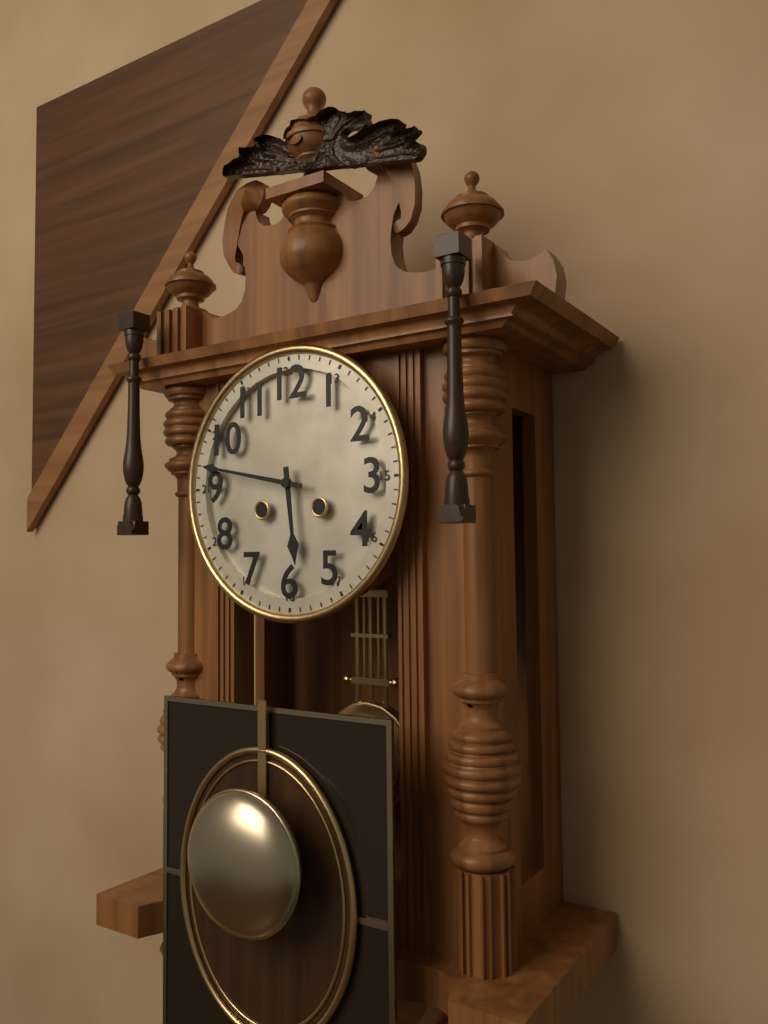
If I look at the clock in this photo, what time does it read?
5:47
